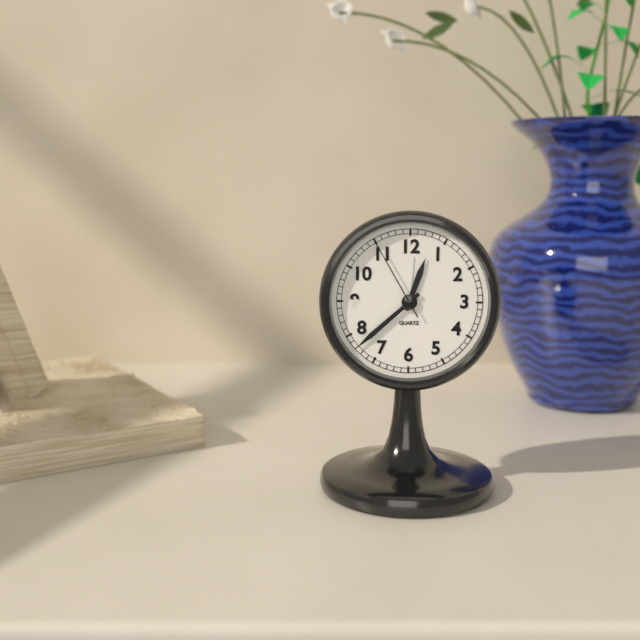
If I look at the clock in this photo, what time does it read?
12:38:55
